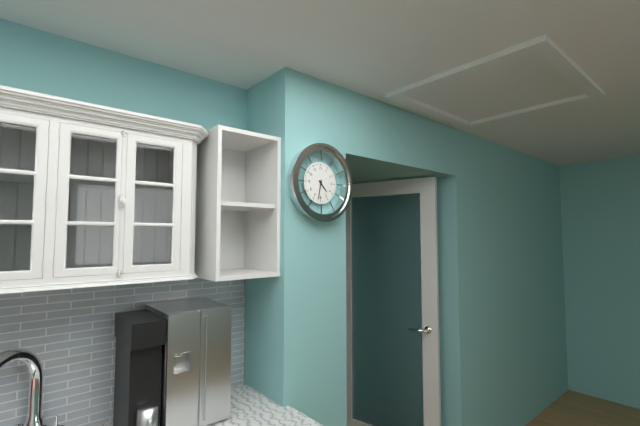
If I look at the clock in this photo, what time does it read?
4:32
